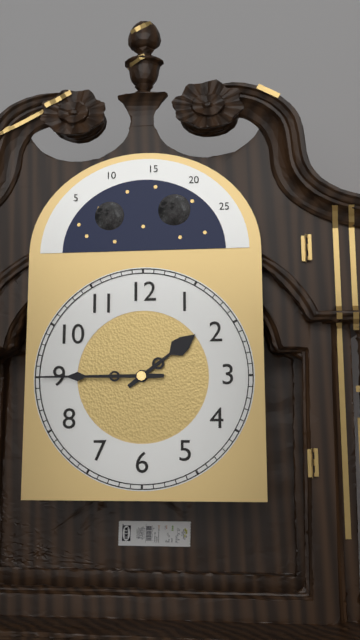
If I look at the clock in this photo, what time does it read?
1:45
